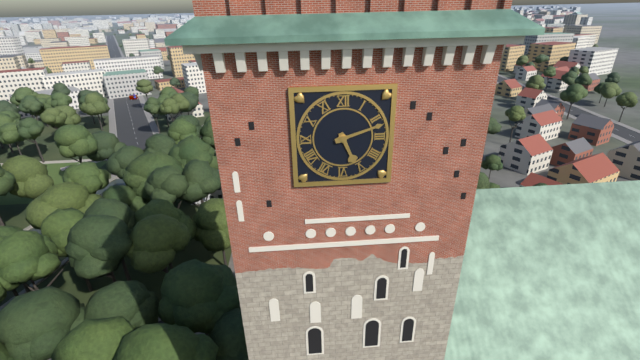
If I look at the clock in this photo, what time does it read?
5:12
